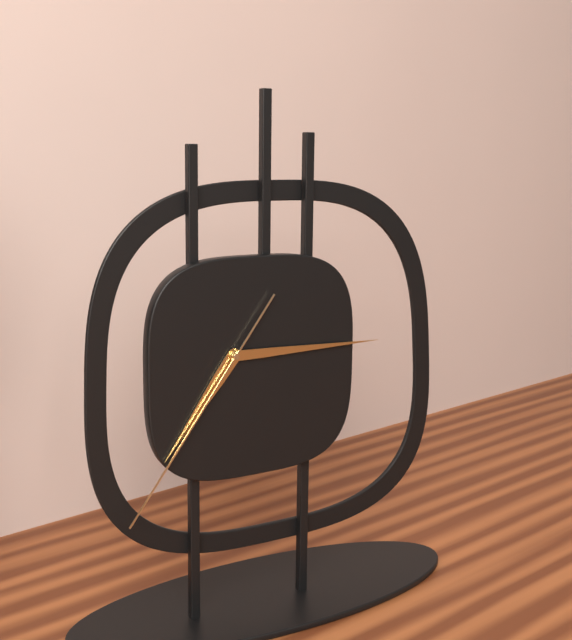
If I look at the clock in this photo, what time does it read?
7:15:36
